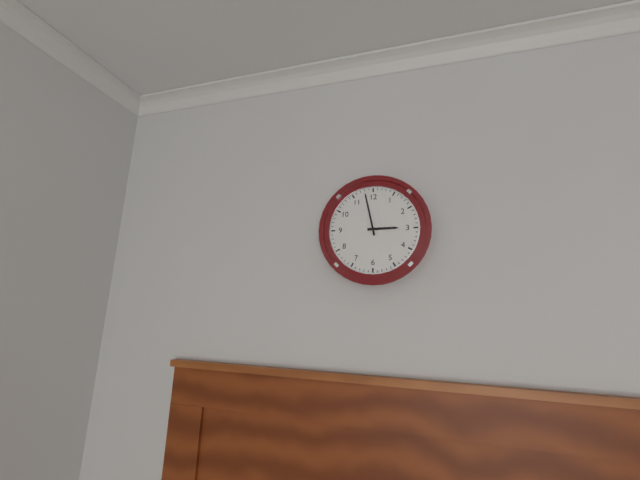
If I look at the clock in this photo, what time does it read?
2:58
